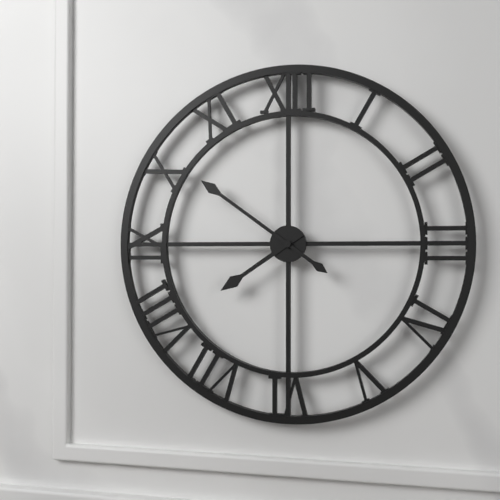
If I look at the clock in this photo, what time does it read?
7:51
